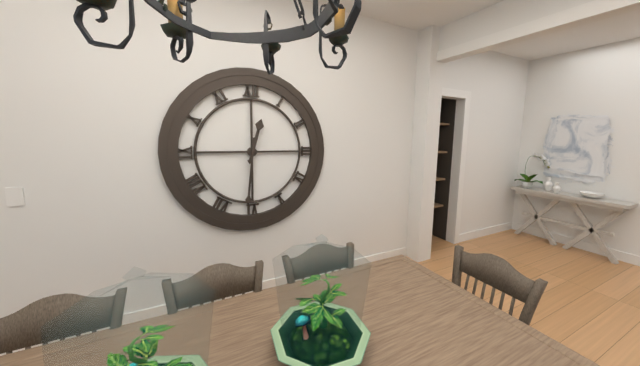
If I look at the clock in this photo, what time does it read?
12:31
